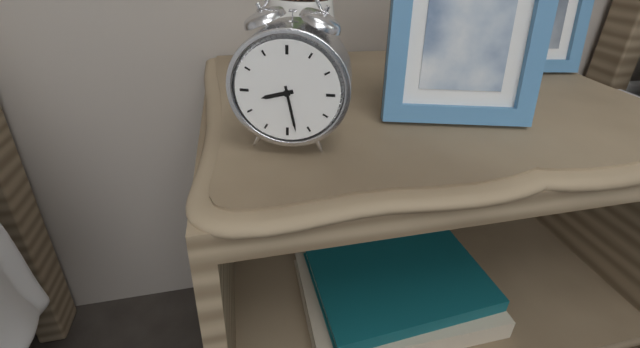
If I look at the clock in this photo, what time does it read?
8:28
